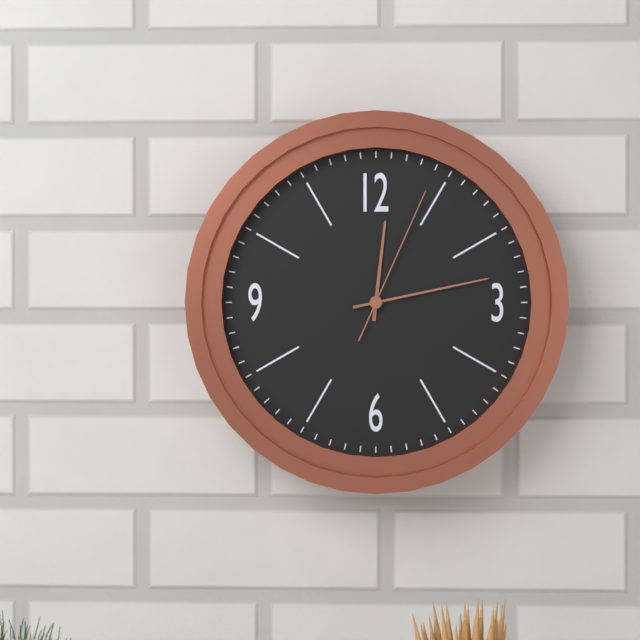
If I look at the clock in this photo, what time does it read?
12:13:04
